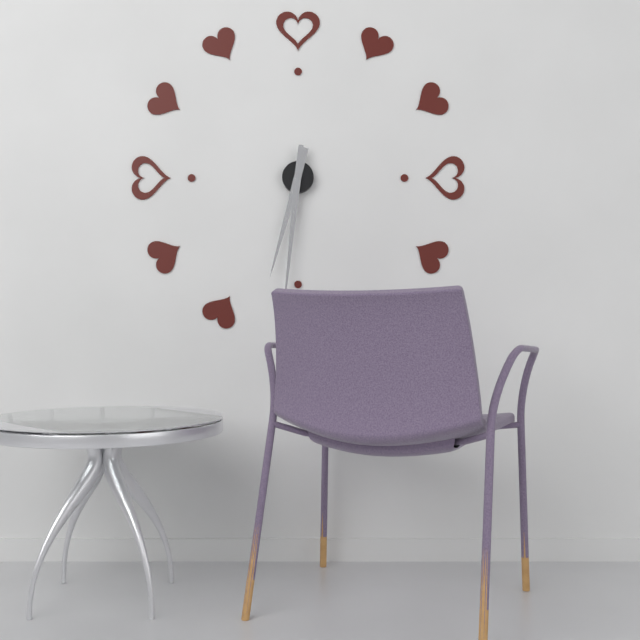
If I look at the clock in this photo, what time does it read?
6:31
